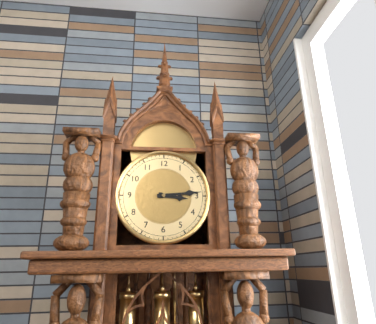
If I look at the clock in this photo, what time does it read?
3:14
